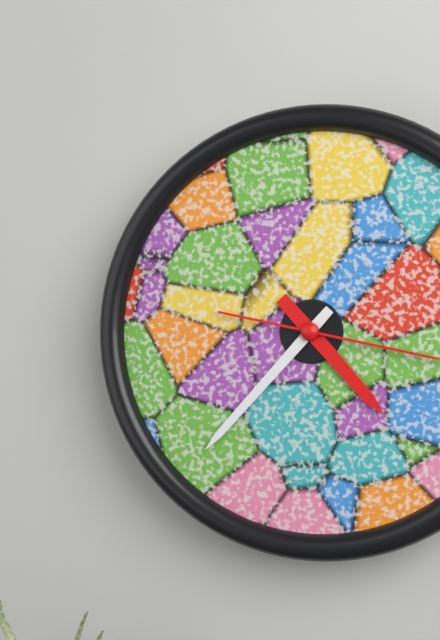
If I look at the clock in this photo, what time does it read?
4:37
